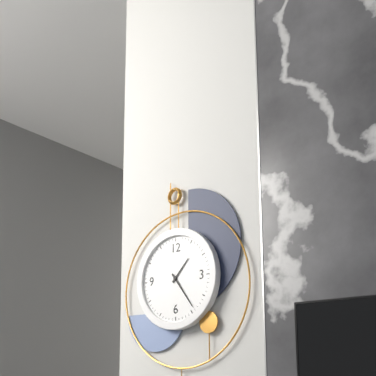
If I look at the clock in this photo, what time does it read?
1:24
